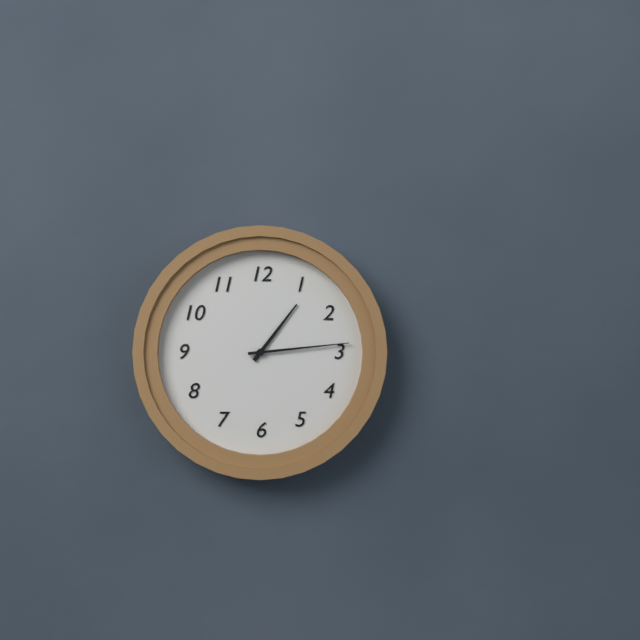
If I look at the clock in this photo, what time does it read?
1:14
